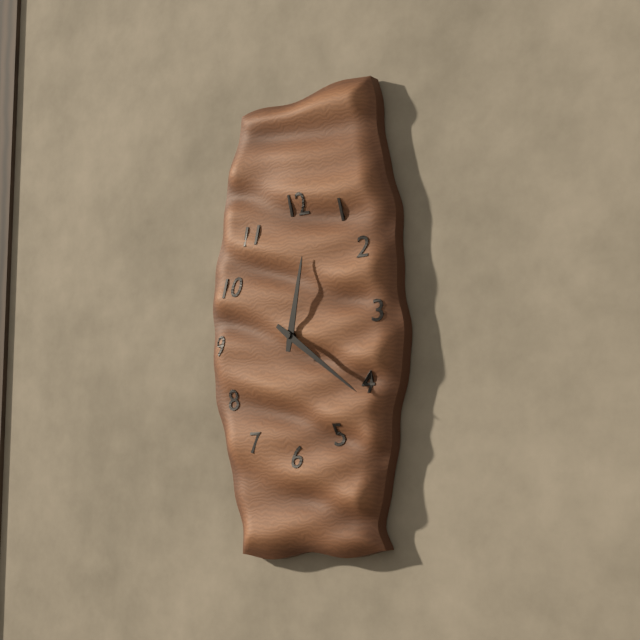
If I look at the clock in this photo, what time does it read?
12:21
